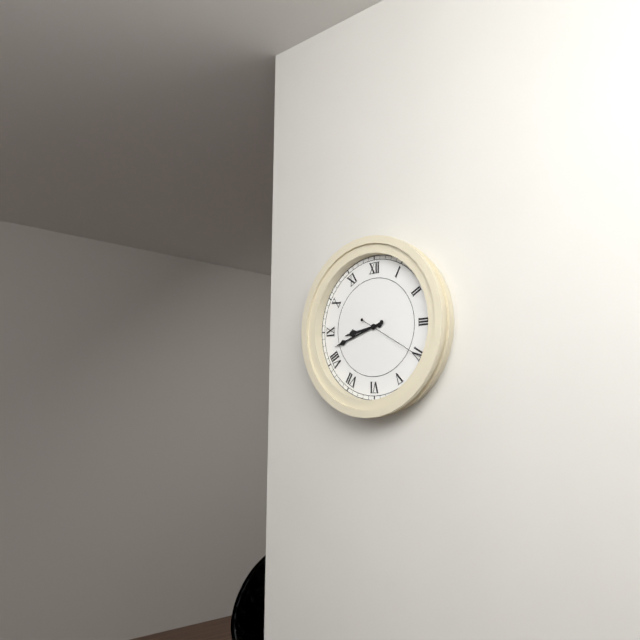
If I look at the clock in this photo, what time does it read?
8:42:20
